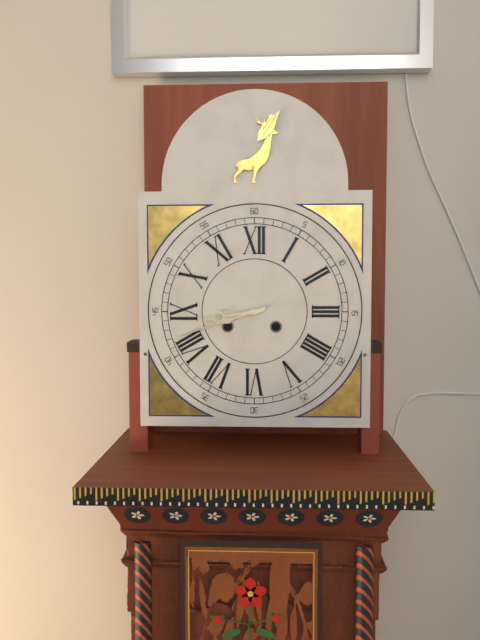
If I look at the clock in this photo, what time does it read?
8:42
